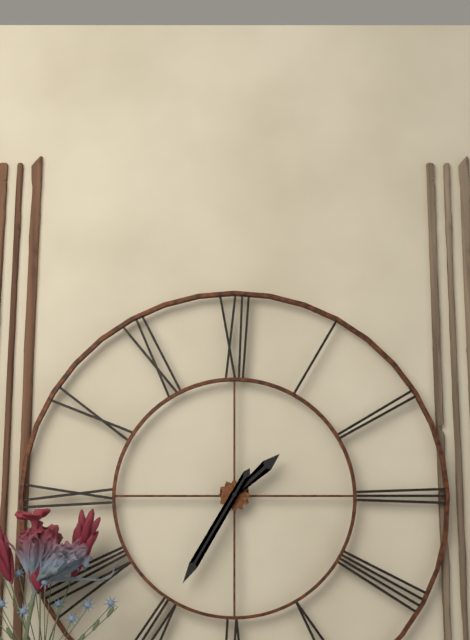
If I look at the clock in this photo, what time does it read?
1:35
